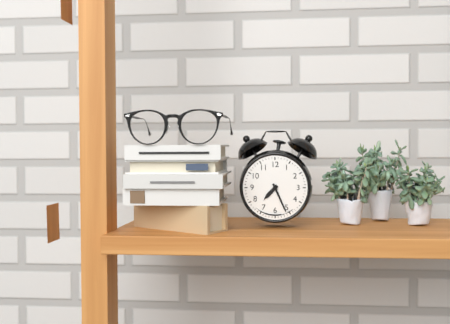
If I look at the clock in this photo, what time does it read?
7:26
